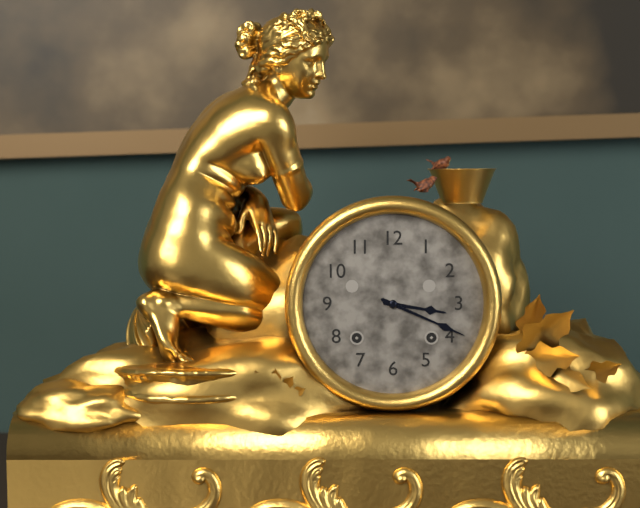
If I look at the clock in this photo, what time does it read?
3:19
